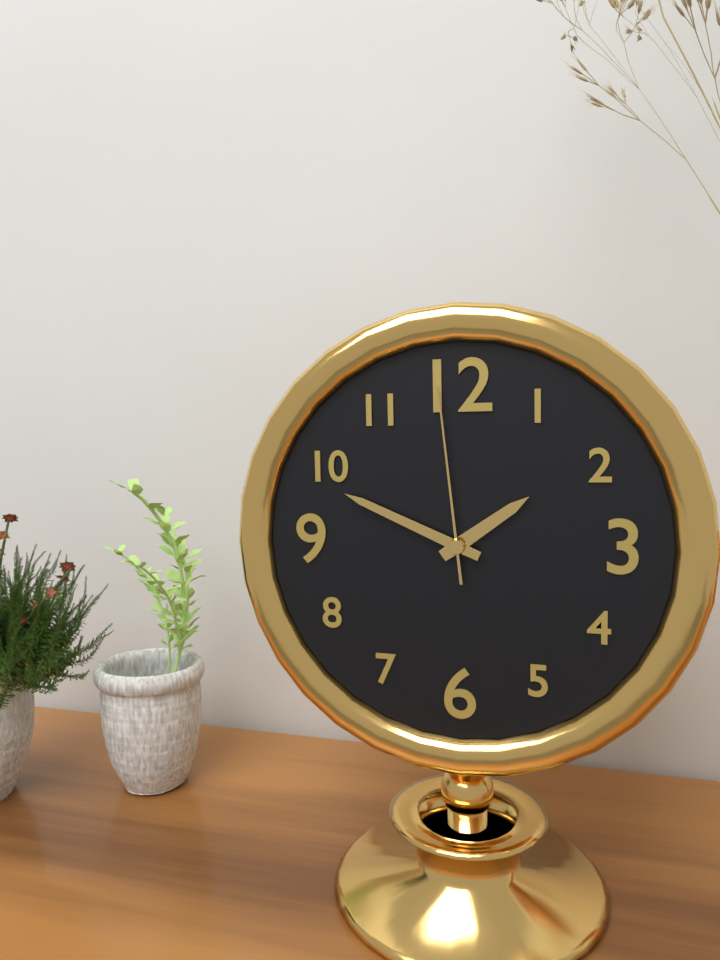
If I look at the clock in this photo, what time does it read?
1:49:59
